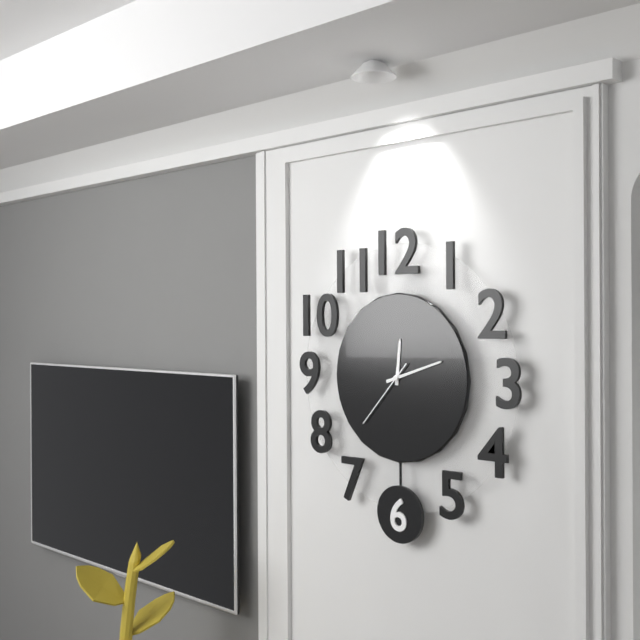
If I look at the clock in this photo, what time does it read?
12:12:37
